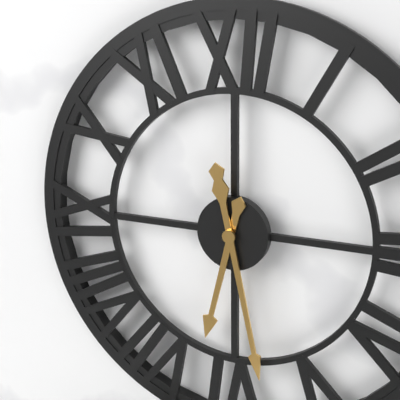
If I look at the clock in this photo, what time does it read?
6:28
